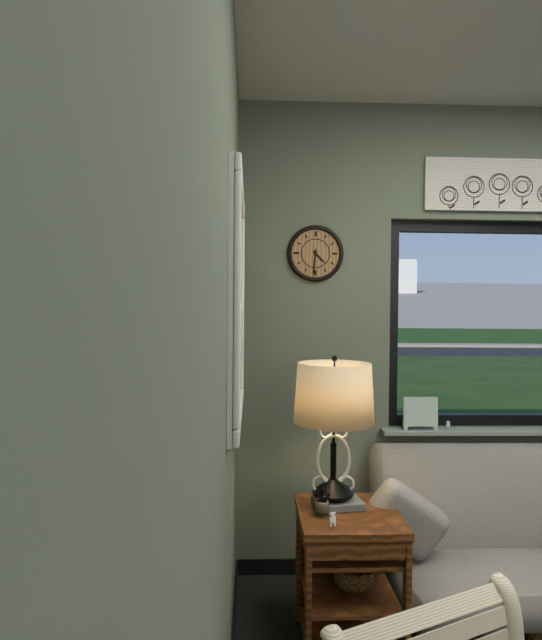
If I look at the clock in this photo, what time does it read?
4:31
